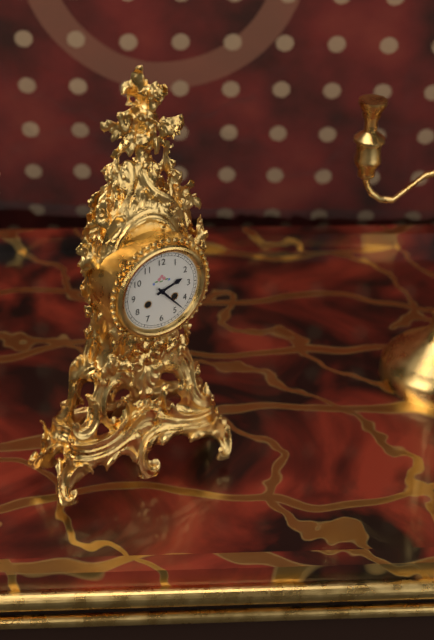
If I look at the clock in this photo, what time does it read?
2:23
